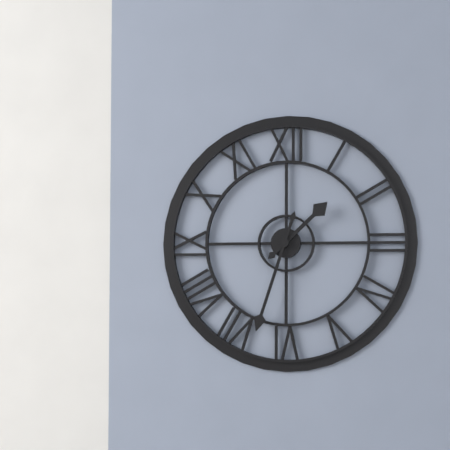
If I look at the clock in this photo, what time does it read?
1:33
